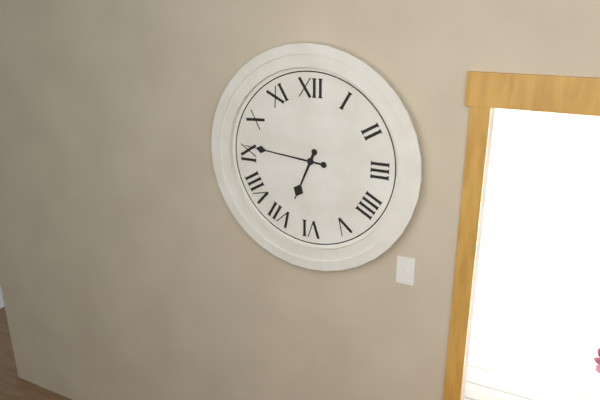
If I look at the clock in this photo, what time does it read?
6:46
